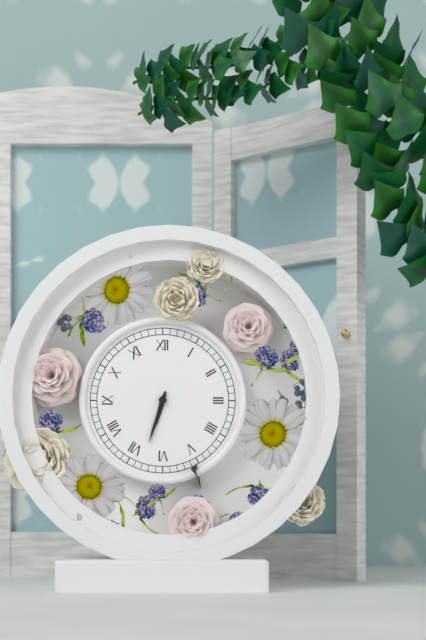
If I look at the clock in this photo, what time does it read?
6:33
